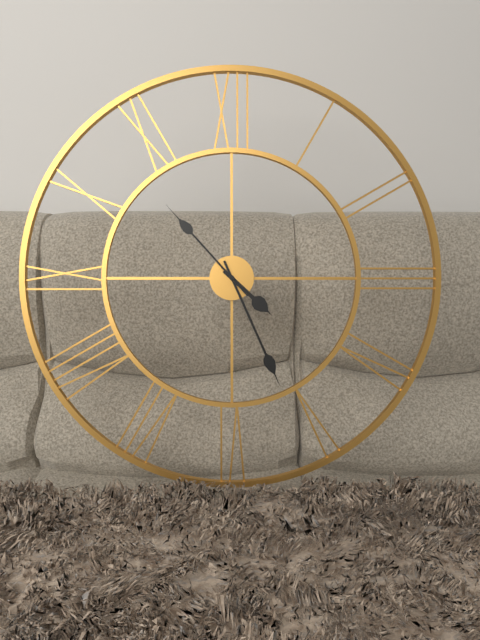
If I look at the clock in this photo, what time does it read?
4:26:53
